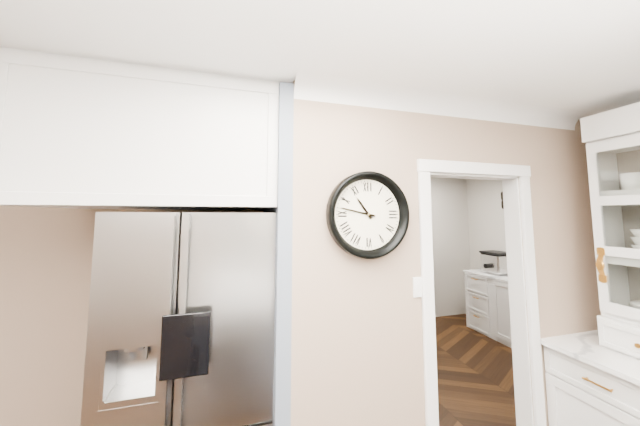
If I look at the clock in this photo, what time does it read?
10:47
